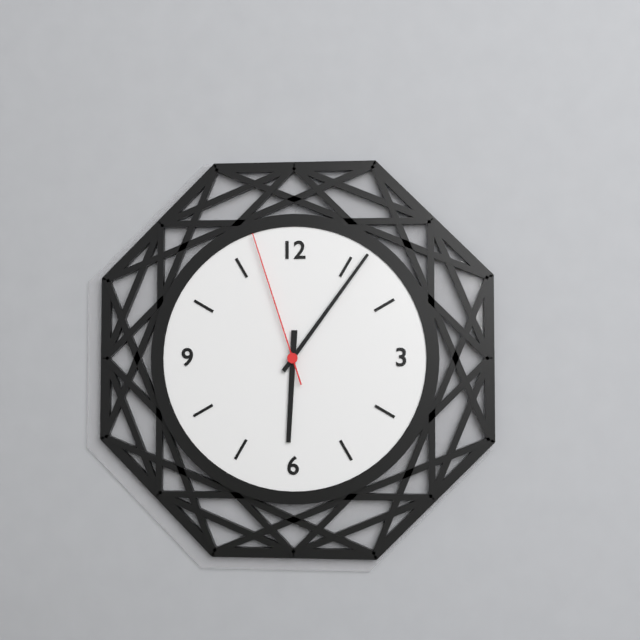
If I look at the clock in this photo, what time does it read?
6:06:57
